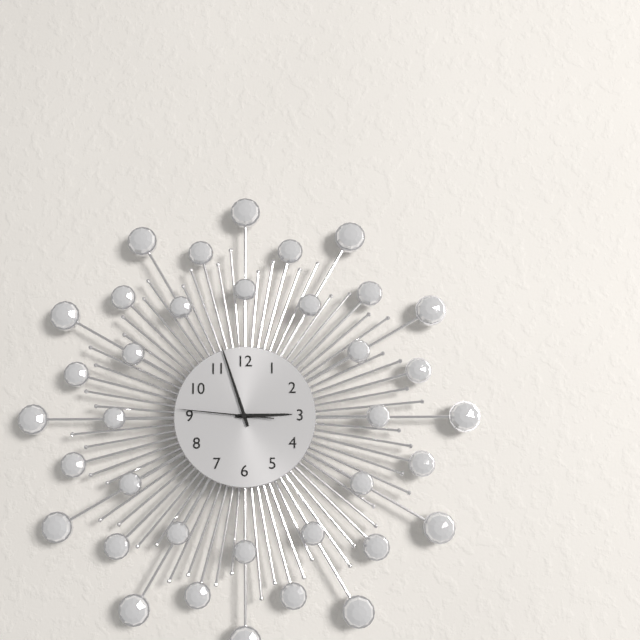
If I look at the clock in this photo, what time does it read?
2:57:46
